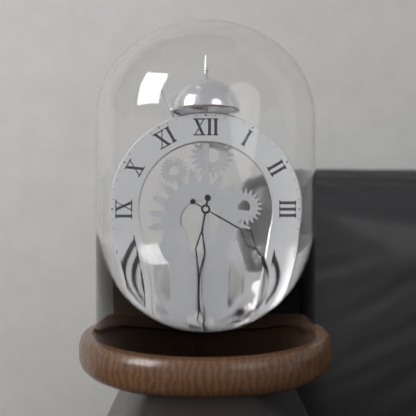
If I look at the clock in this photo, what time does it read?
6:20
